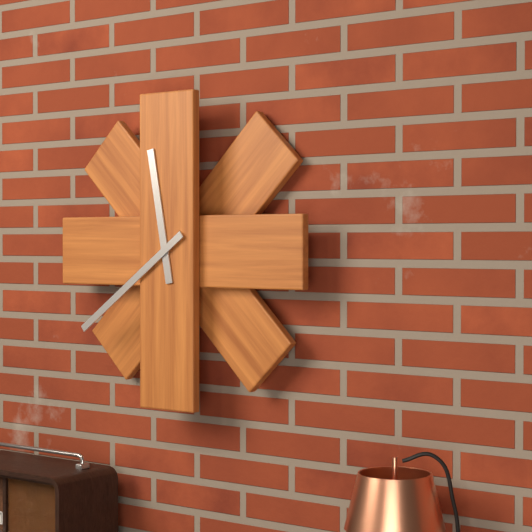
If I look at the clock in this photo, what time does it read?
11:39
